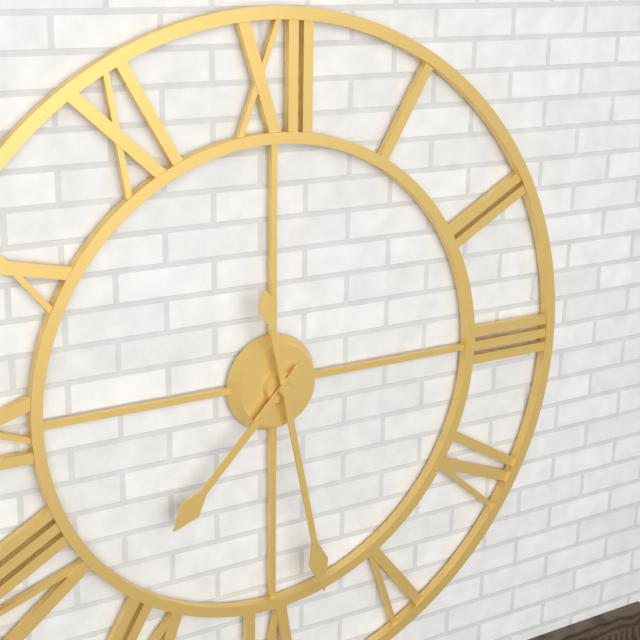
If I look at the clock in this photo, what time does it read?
7:28
